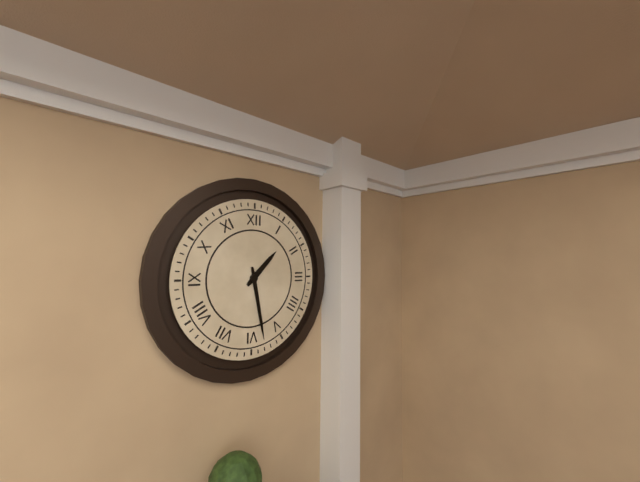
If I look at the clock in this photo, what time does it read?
1:28
